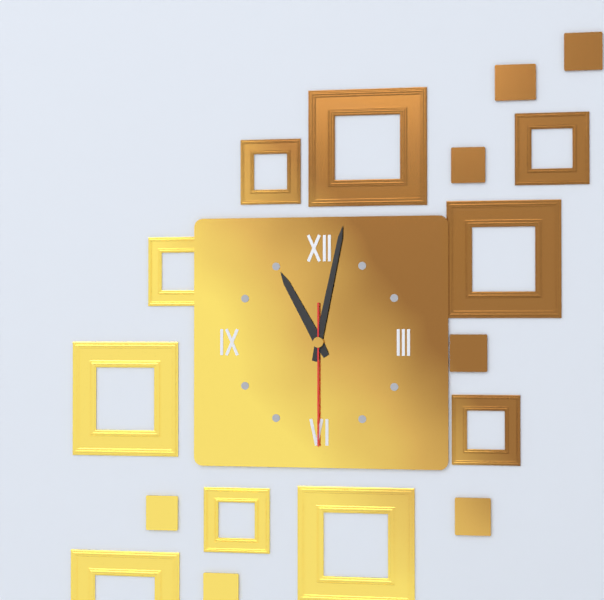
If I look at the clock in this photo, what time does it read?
11:02:30
